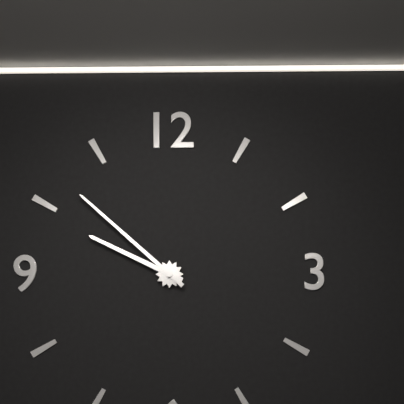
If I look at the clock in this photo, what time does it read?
9:52
